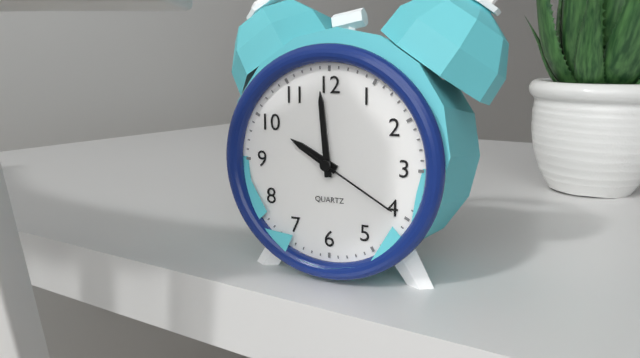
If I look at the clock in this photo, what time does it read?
9:59:20
